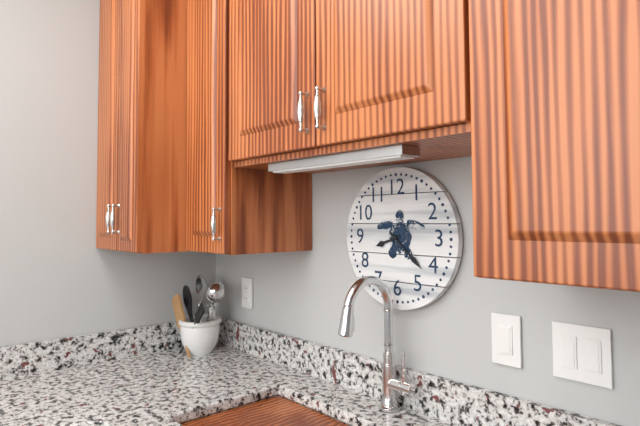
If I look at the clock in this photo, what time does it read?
8:22
